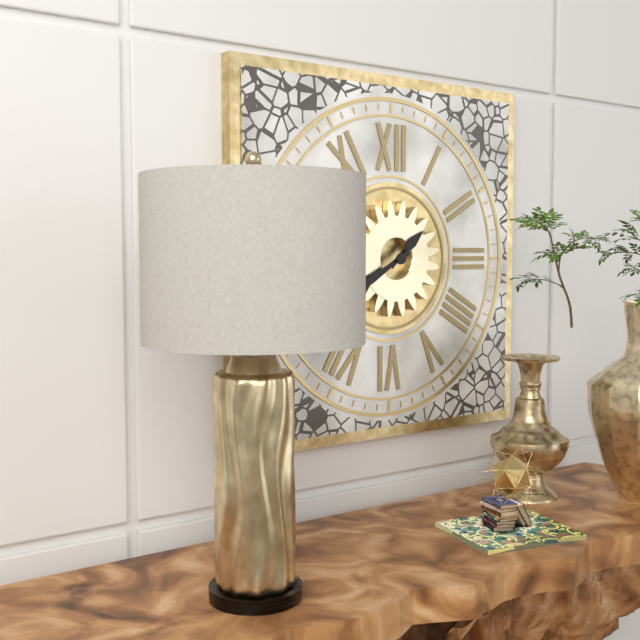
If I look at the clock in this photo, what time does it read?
1:40
